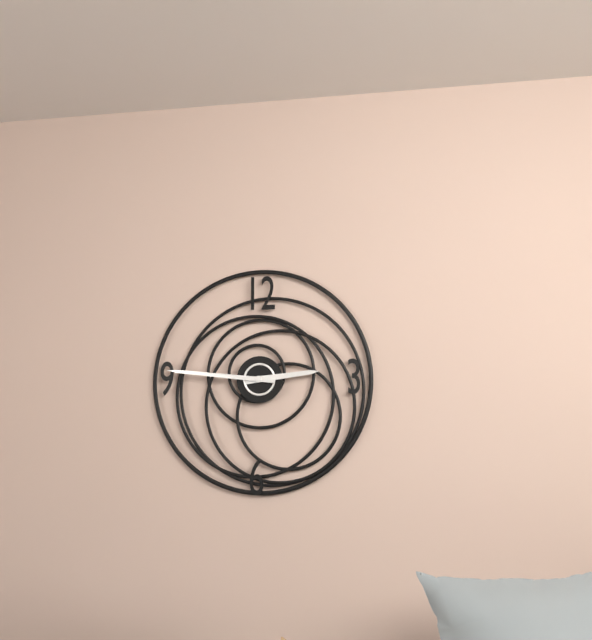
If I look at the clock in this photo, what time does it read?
2:46
